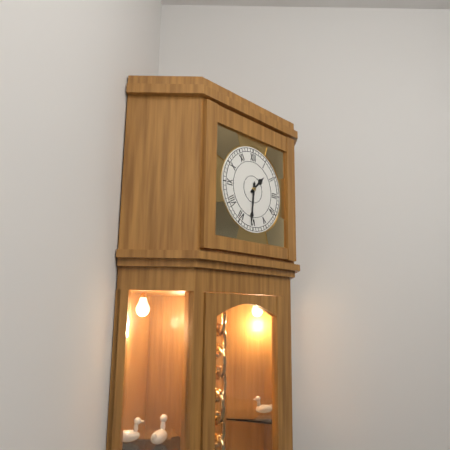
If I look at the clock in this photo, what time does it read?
1:31
